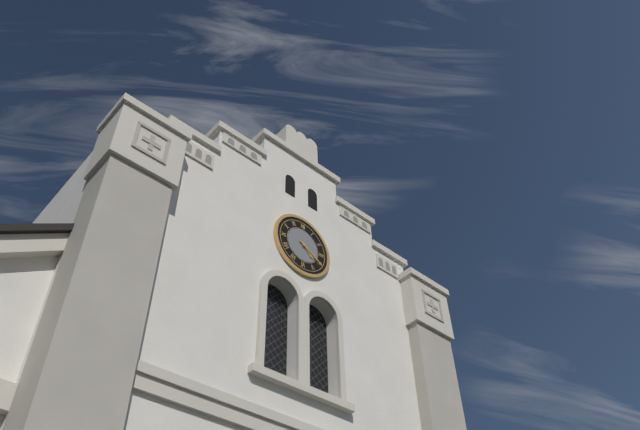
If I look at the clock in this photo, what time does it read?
4:20
